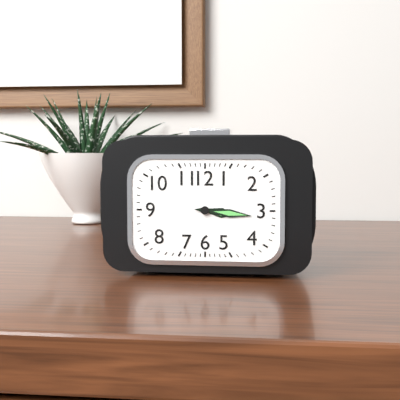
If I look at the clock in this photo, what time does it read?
3:16
